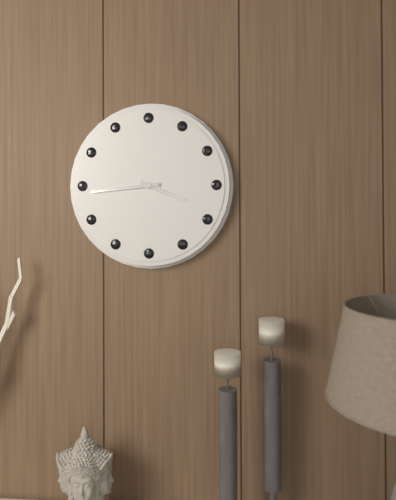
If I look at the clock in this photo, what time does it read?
3:44
